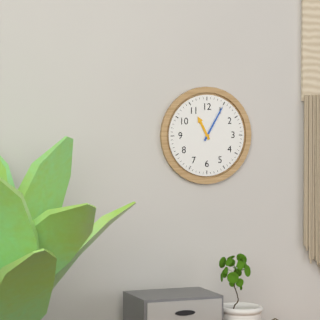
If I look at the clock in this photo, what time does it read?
11:05
